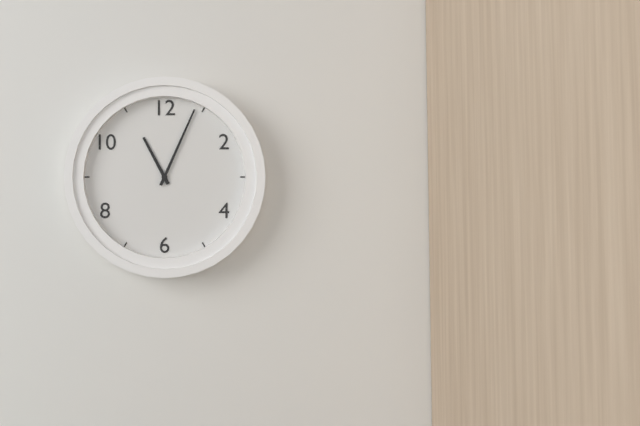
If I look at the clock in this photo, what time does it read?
11:04
